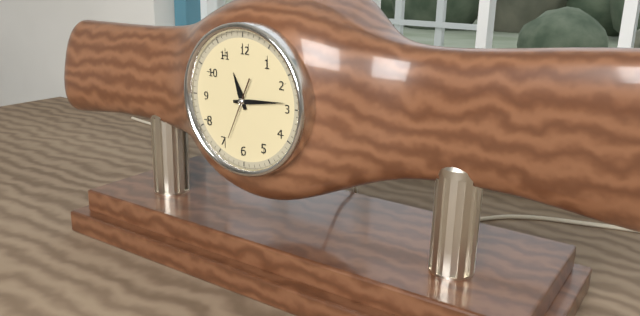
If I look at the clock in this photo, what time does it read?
11:14
